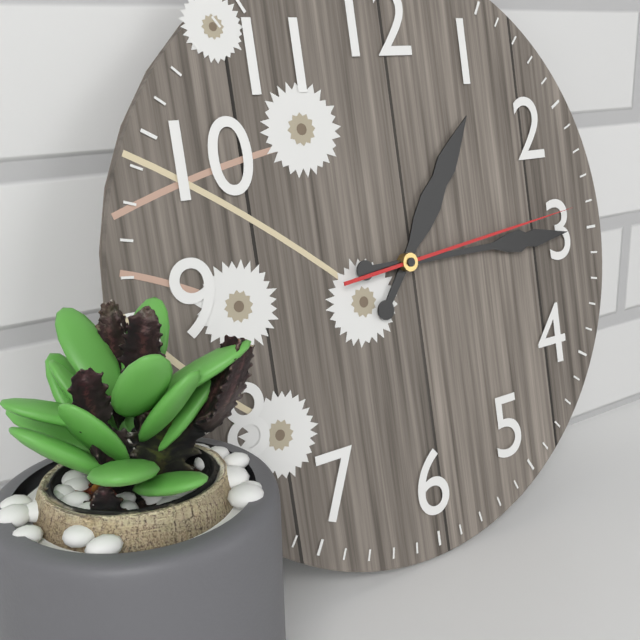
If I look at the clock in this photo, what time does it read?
1:15:14
